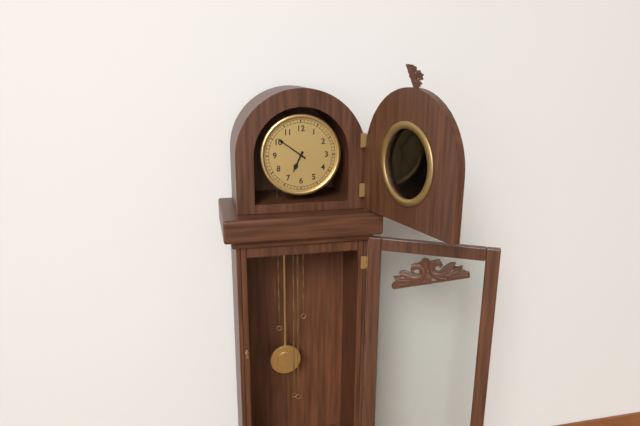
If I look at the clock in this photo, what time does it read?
6:51
